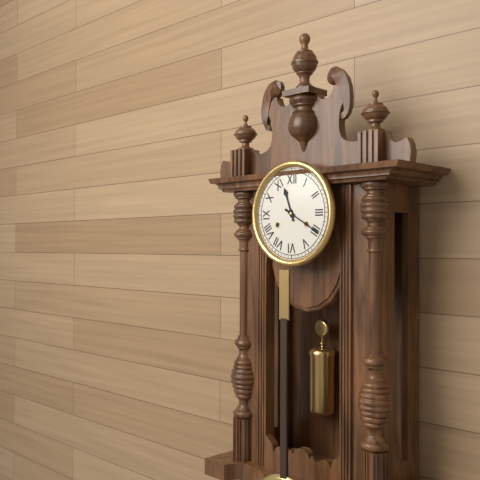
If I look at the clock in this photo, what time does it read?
11:20
